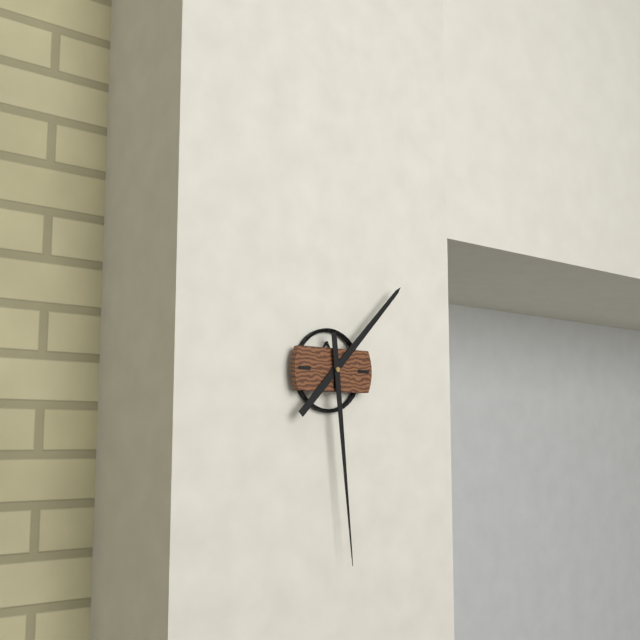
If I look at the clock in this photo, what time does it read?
1:29
